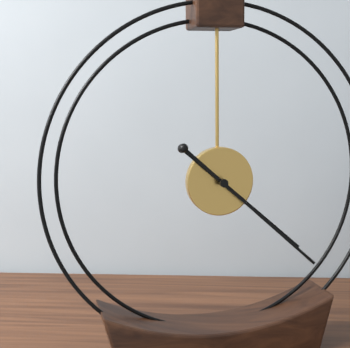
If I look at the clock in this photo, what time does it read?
4:22
